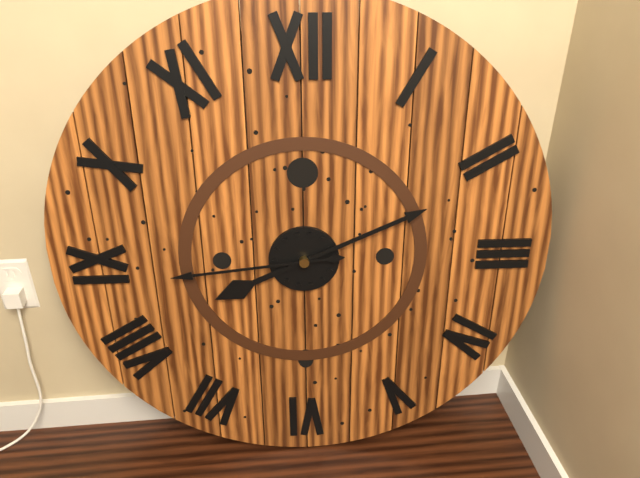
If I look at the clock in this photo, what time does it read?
8:11:44
